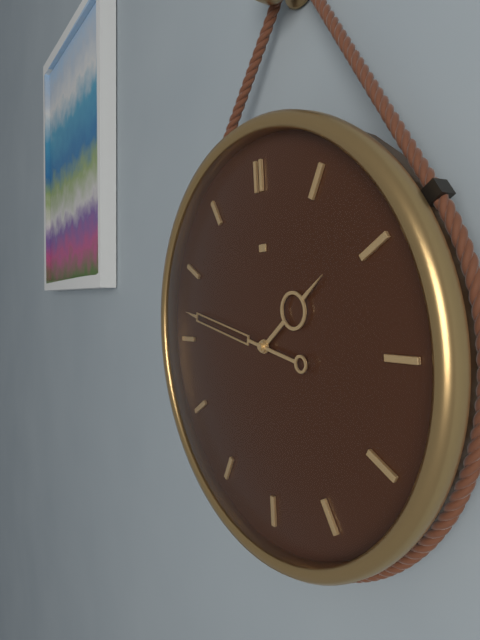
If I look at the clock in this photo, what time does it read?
1:47
